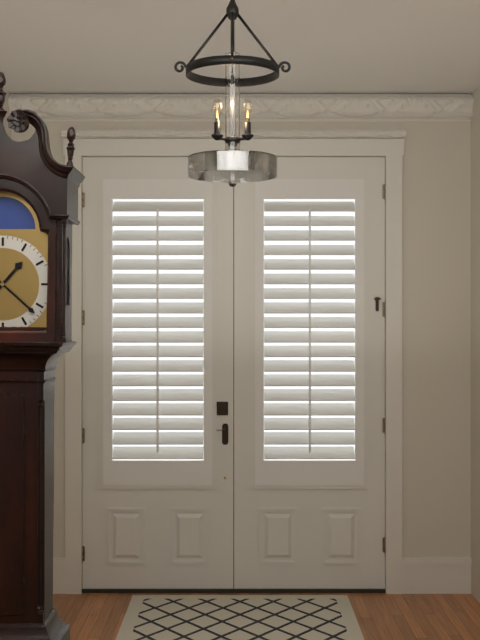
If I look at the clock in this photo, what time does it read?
1:22
